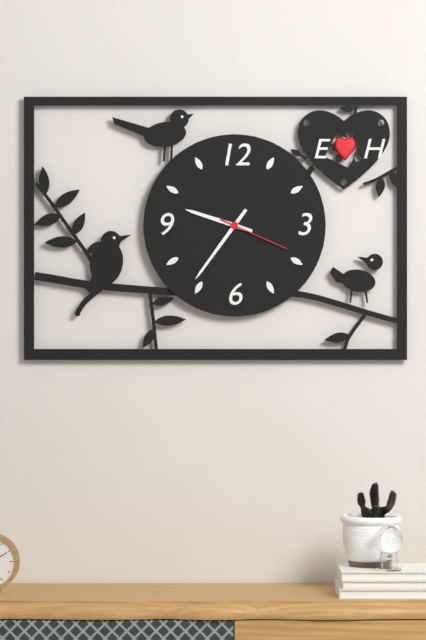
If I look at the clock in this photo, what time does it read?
9:36:19
